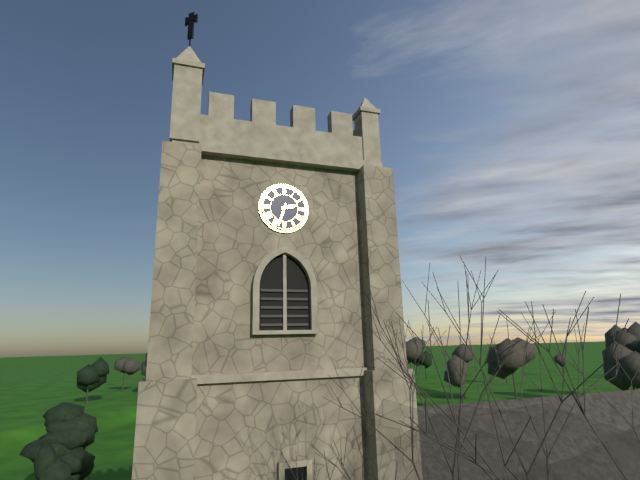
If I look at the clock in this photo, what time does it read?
2:33
